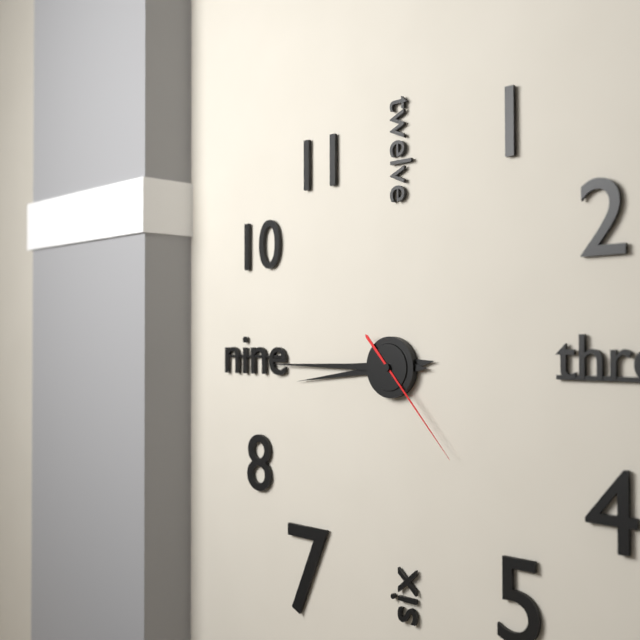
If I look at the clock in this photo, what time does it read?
8:45:23
